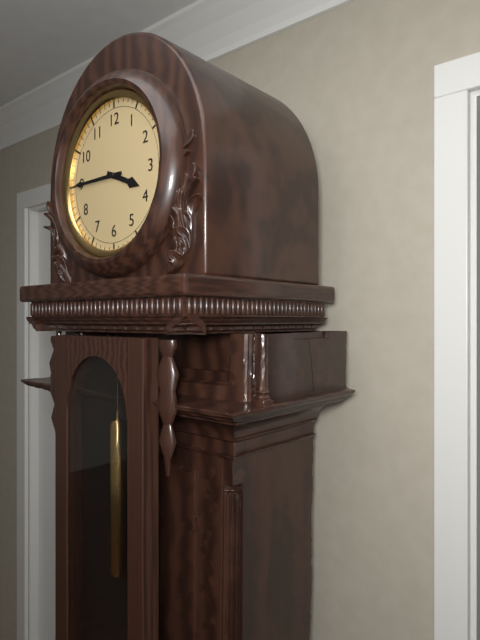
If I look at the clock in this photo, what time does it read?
3:45
